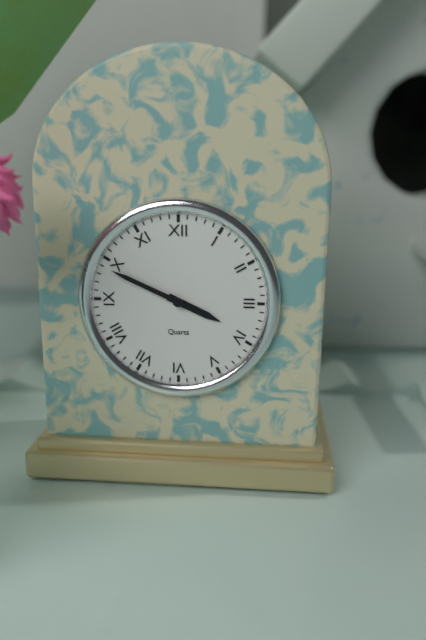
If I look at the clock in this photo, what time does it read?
3:49
